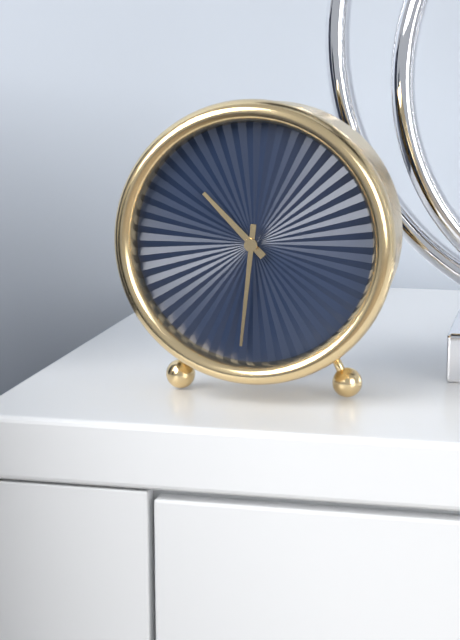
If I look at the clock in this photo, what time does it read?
10:31
